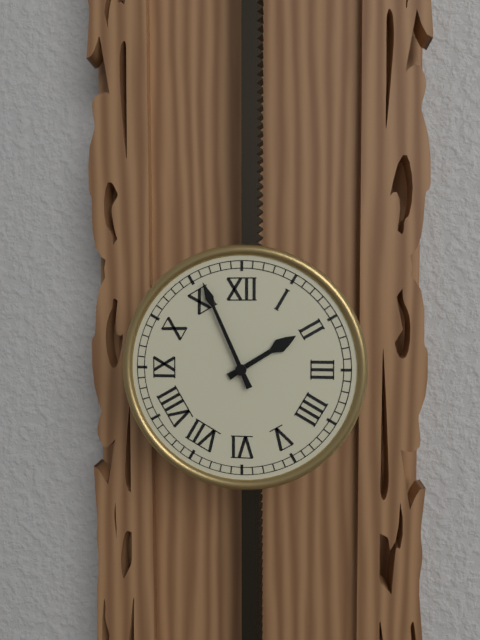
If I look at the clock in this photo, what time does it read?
1:56
